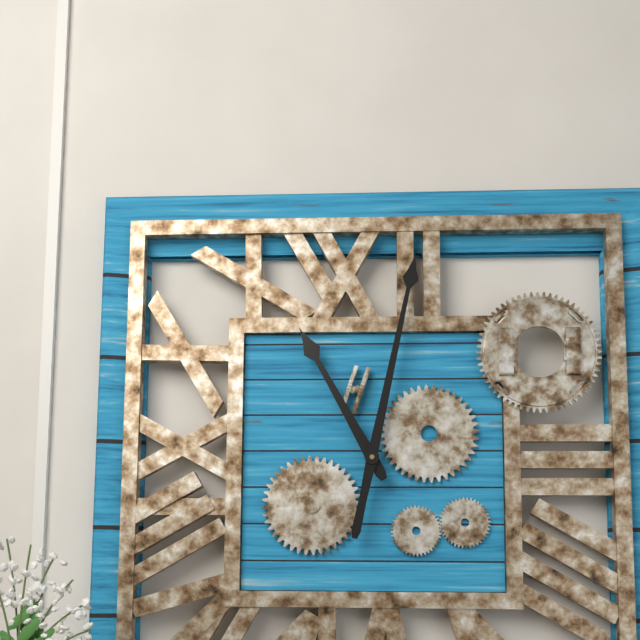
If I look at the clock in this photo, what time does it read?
11:02
